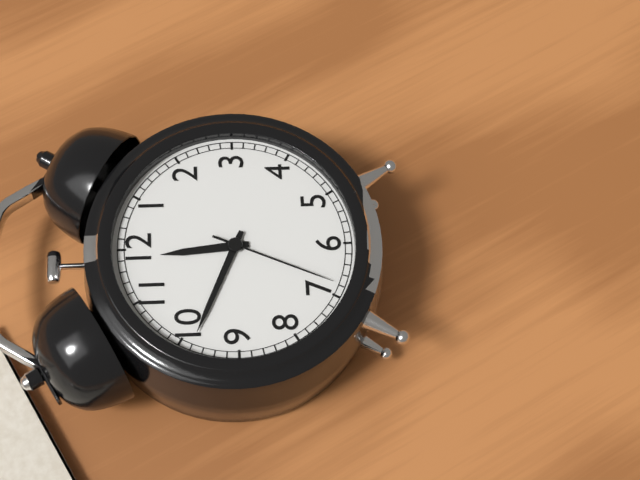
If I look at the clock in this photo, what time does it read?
11:49:34
